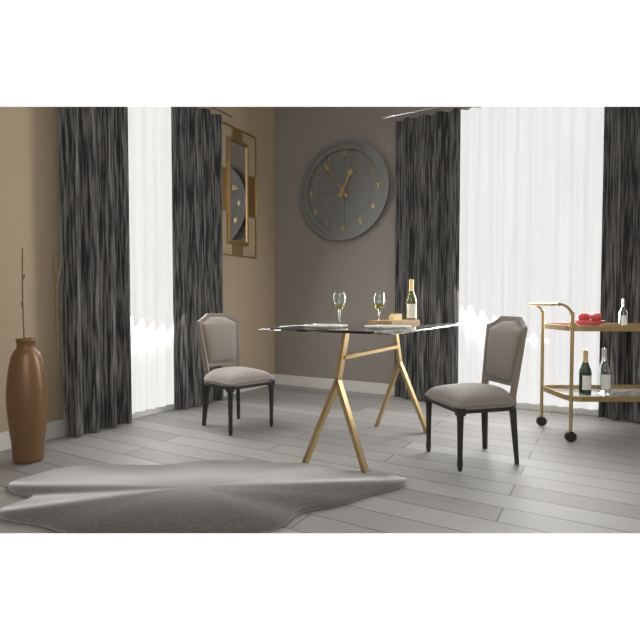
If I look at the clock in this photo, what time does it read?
12:54
